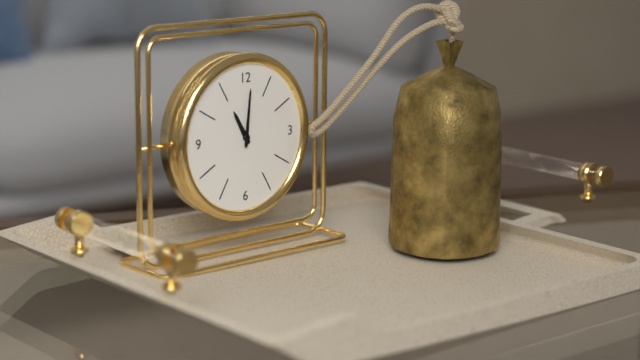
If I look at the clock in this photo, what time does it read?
11:01
